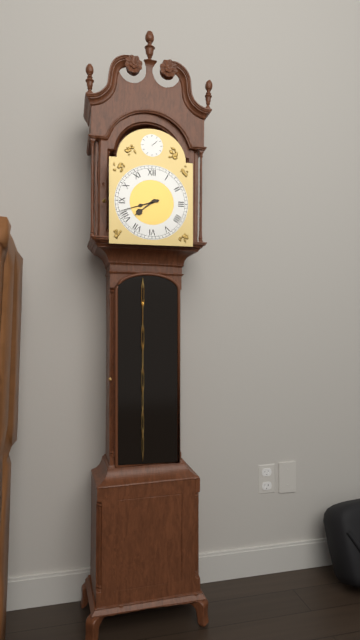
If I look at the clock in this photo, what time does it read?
7:42
